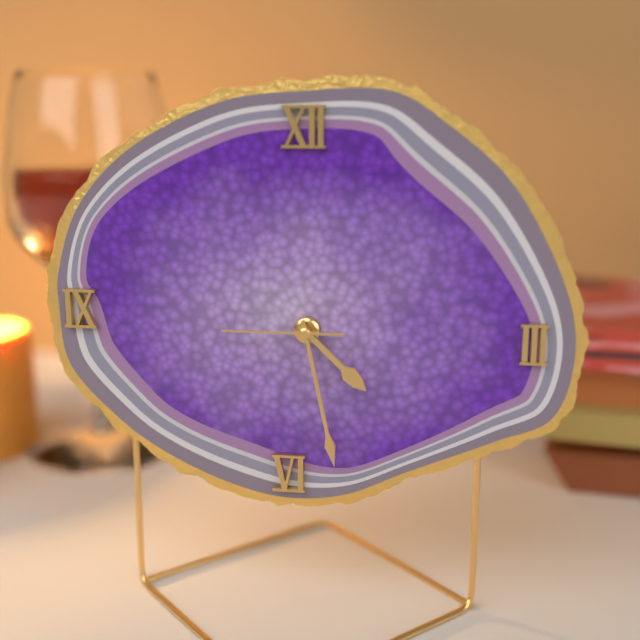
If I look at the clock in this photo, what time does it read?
4:28:45
